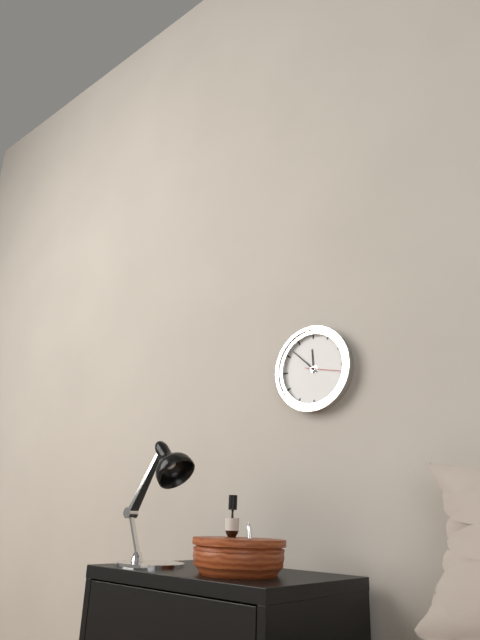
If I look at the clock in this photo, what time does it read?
11:52
